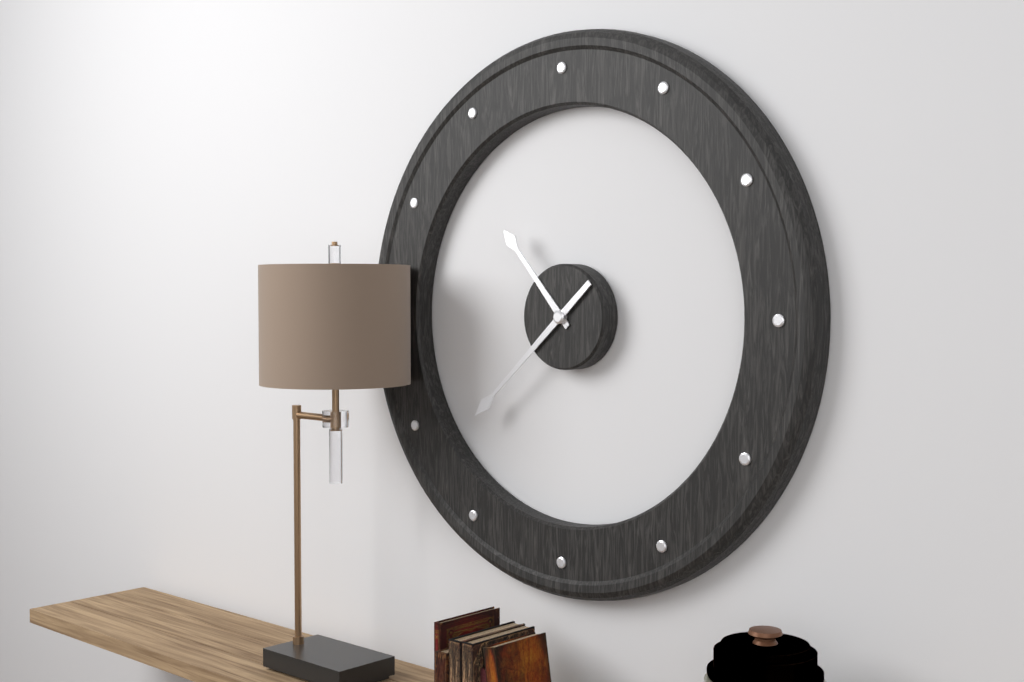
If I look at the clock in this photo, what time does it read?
10:38
